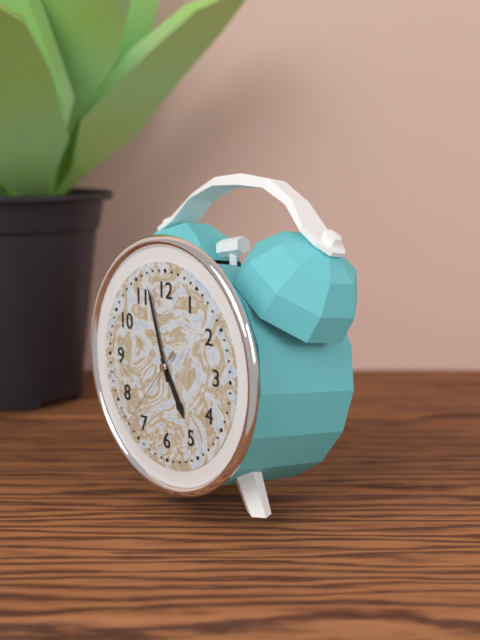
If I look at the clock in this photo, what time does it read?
4:57:37
